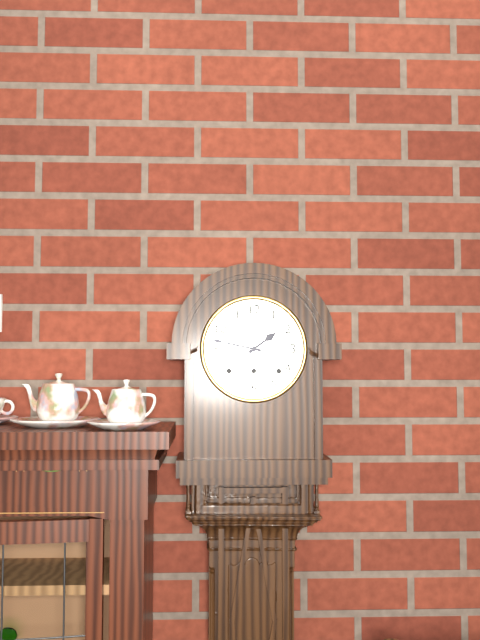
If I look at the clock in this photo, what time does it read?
1:47
